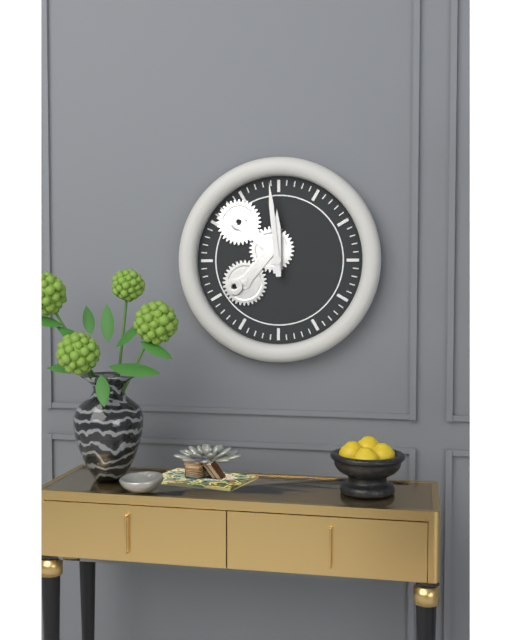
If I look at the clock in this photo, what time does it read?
11:59
